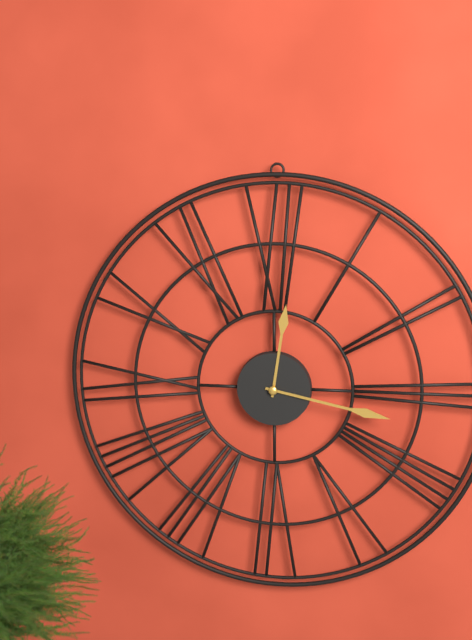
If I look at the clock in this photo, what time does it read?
12:17
